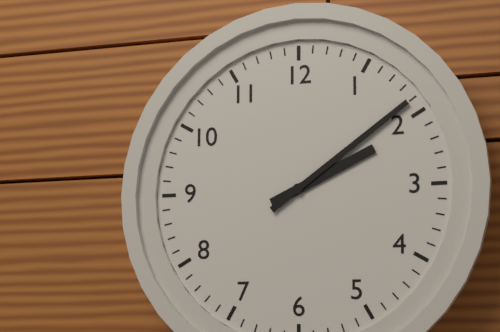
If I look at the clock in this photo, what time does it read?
2:09
